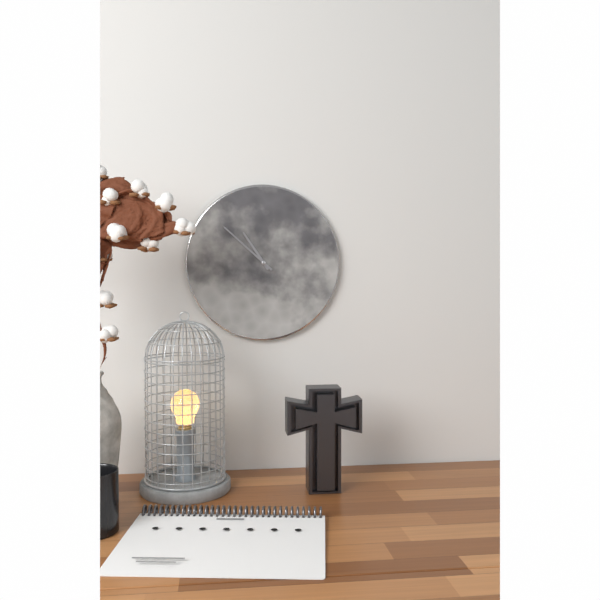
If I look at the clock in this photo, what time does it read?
10:52
